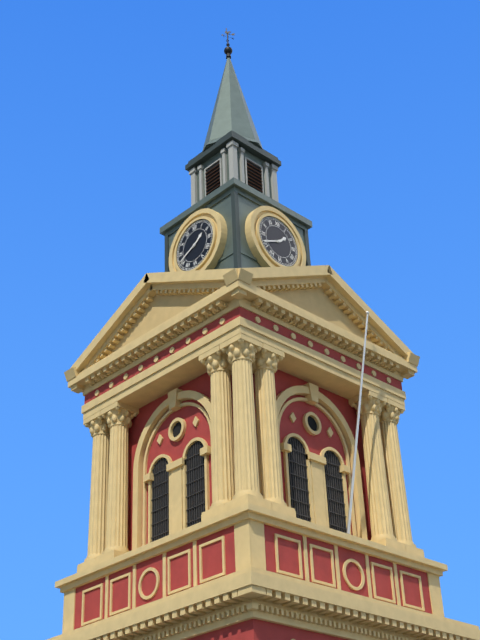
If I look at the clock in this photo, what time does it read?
1:41
